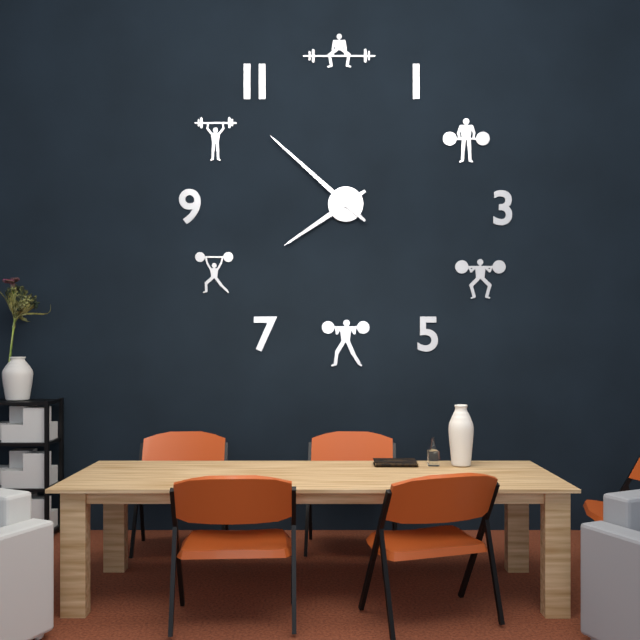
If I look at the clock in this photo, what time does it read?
7:52
